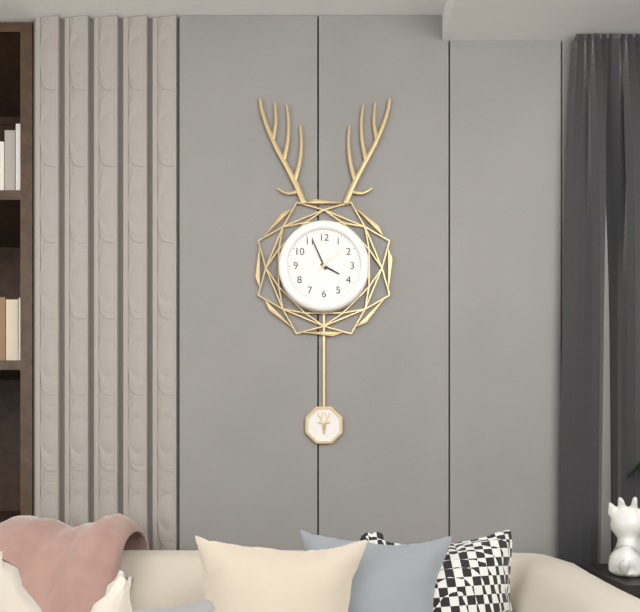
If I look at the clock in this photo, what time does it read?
3:56
